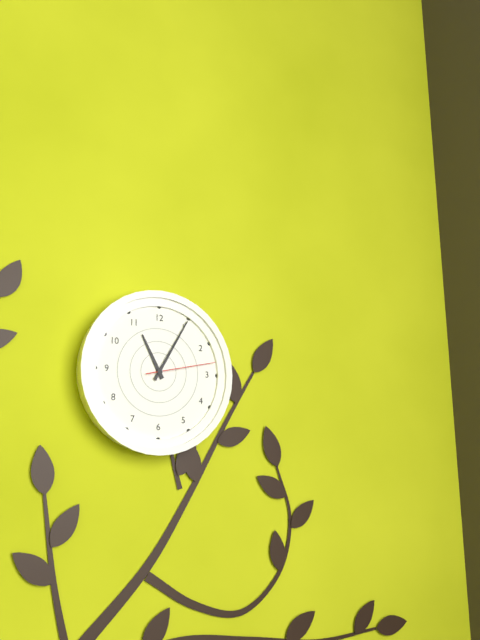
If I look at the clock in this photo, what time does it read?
11:05:13
